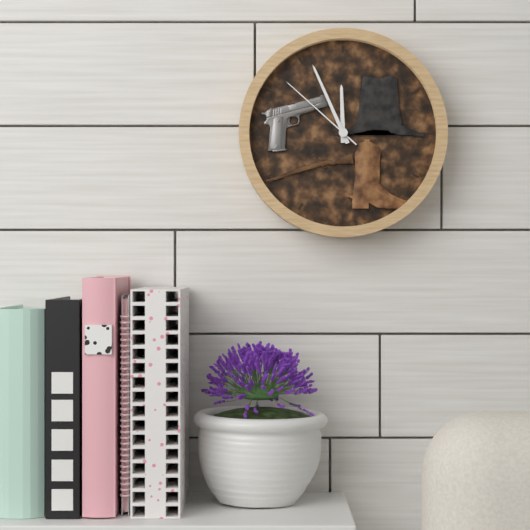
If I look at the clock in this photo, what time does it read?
11:56:52
